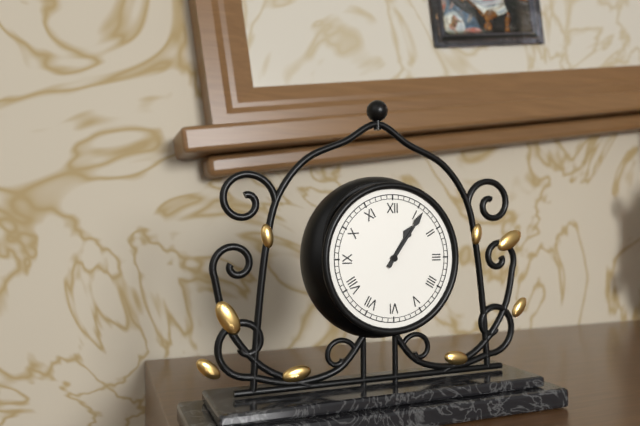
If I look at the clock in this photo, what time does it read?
1:06
